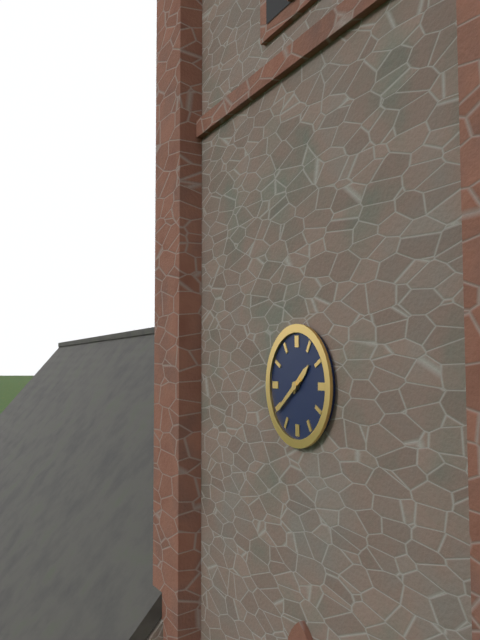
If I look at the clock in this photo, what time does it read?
1:39
